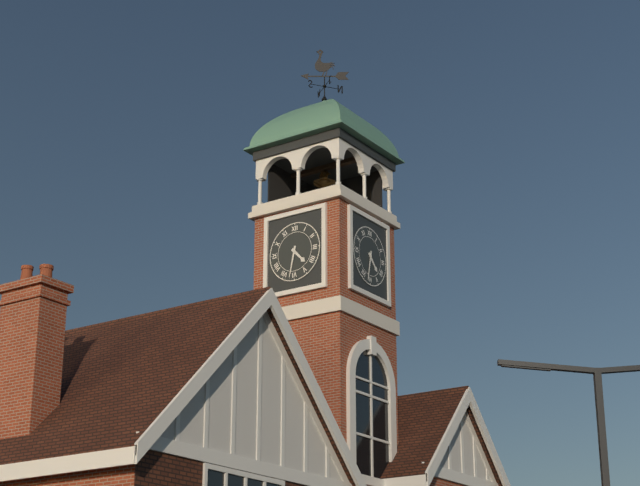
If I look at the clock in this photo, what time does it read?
4:32
